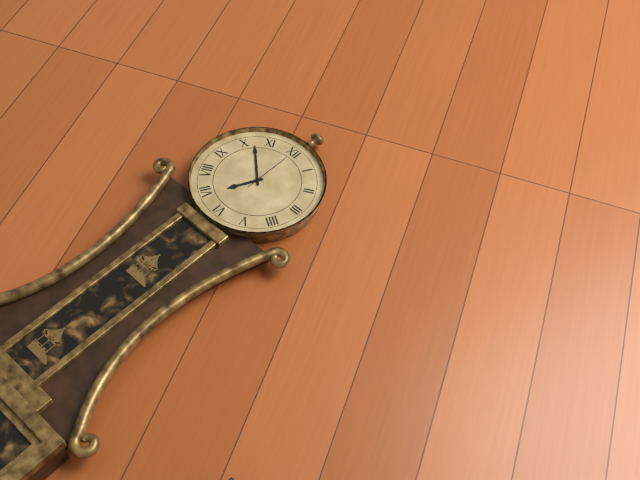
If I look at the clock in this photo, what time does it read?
6:52
